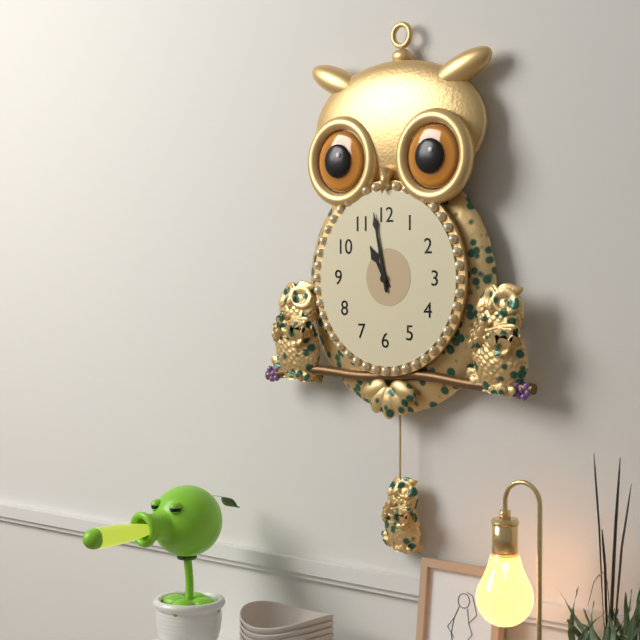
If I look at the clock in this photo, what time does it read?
10:58
